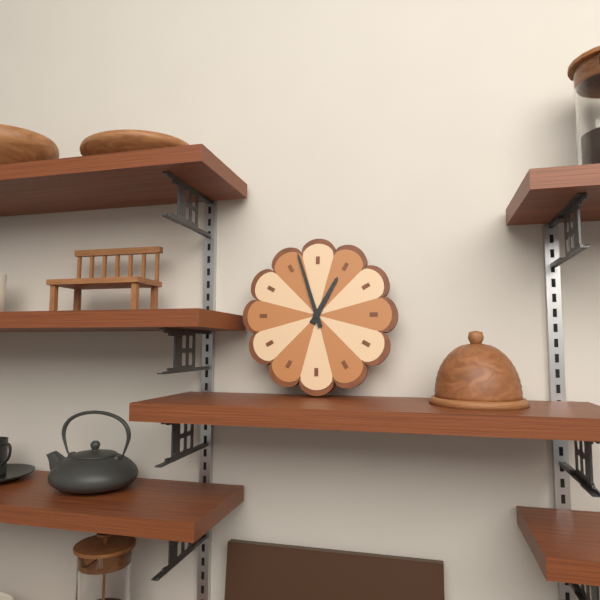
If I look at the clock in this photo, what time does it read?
12:57
